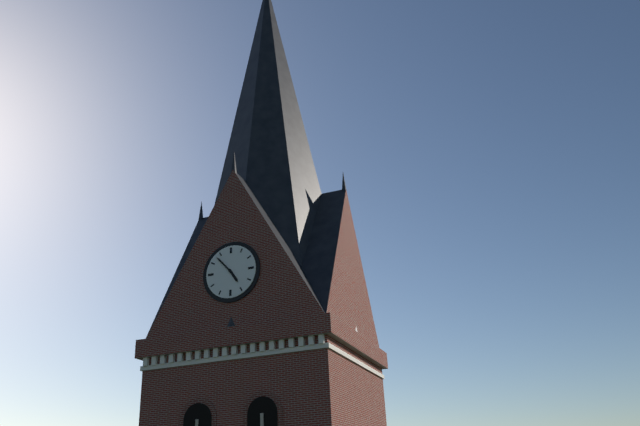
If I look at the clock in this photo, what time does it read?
4:53
